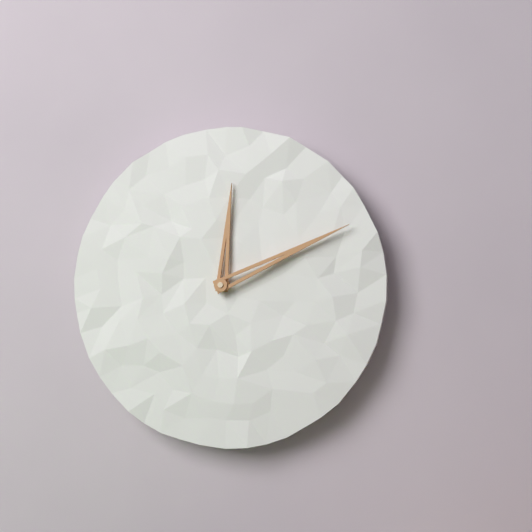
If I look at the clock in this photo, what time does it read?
12:11
